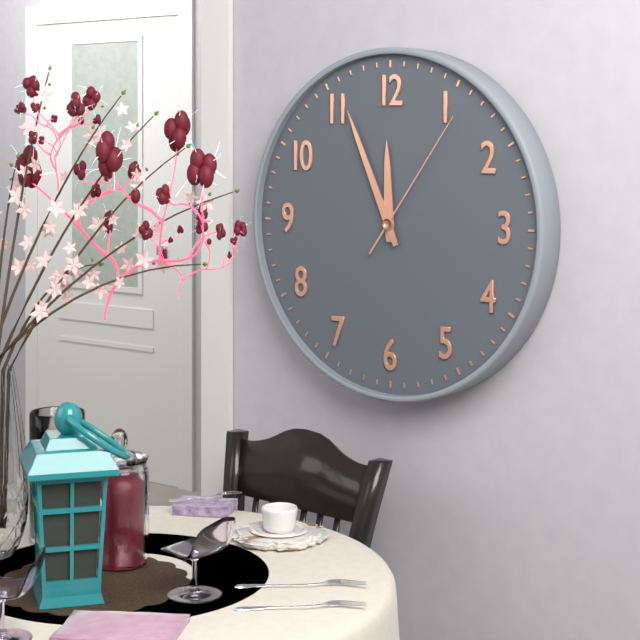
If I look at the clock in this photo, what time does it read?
11:56:06
